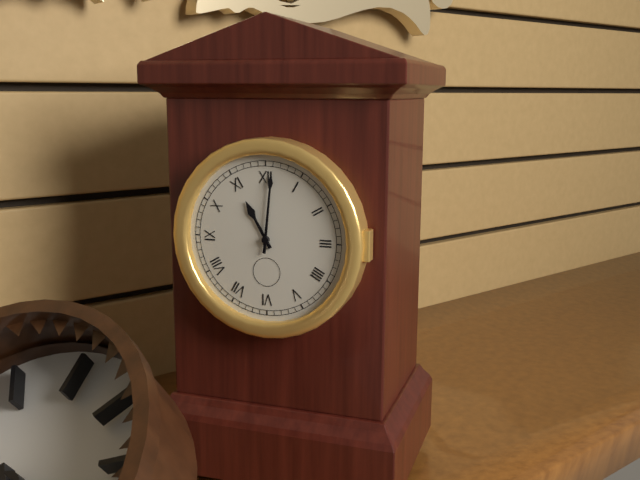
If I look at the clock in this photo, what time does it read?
11:01
